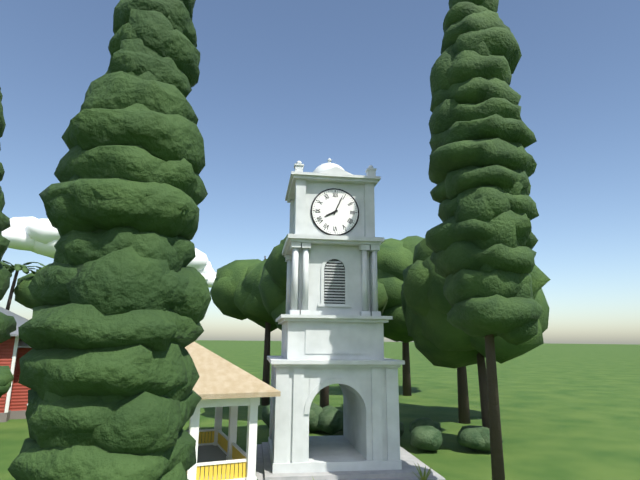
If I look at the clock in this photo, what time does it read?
8:04
